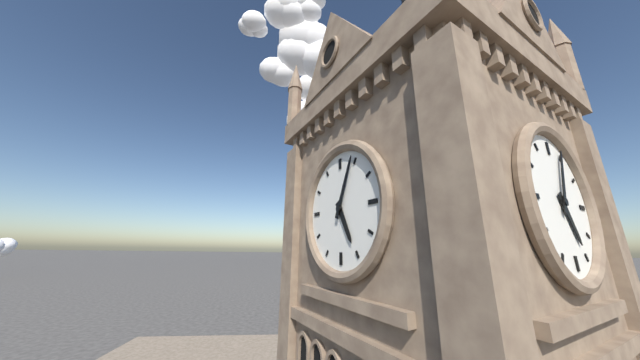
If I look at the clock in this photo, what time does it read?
5:04
